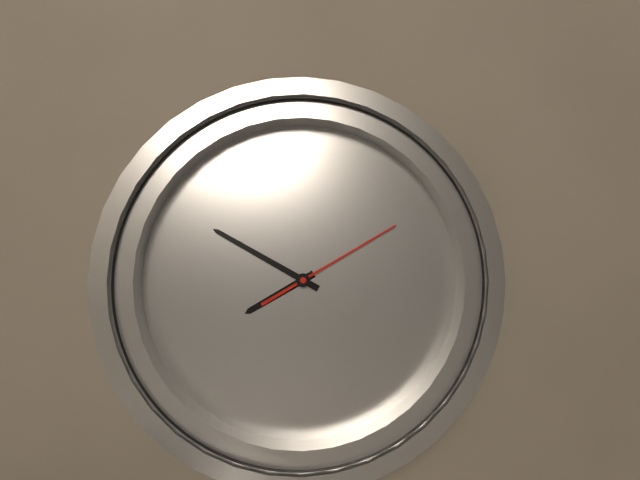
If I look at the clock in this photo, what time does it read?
7:49:09
